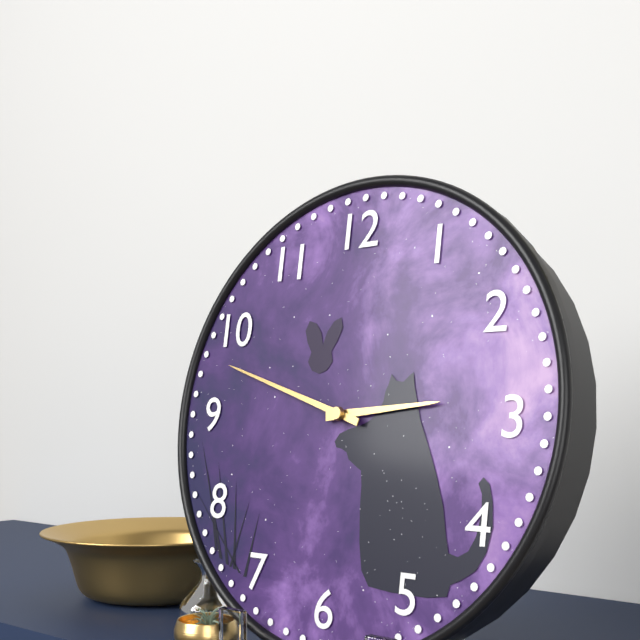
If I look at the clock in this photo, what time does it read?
2:48
